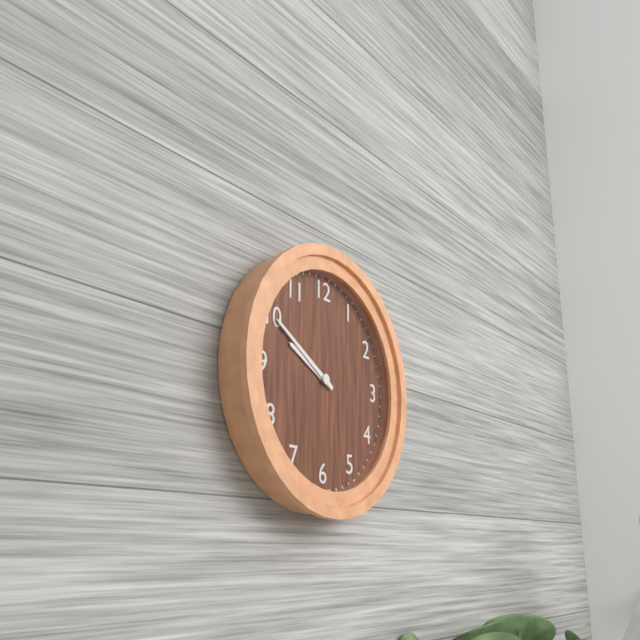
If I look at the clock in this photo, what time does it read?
9:50
